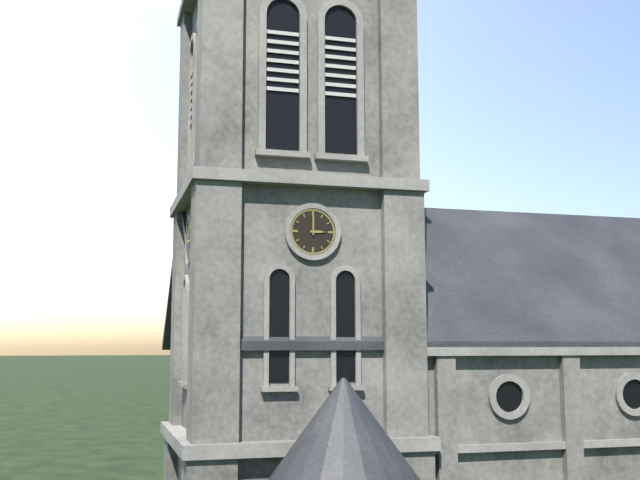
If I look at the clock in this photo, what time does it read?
3:00
